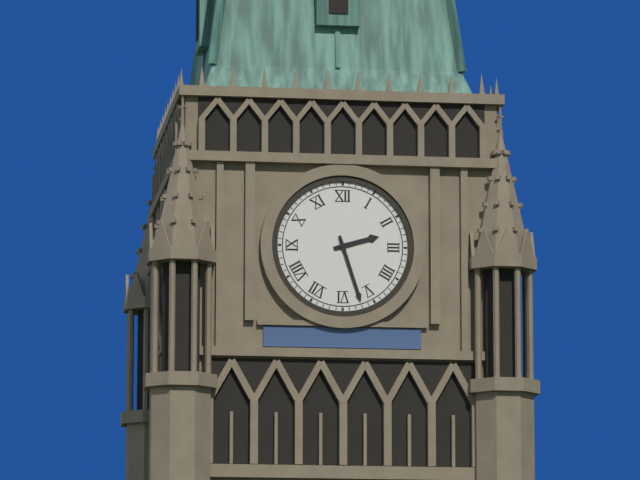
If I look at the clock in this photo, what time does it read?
2:27
